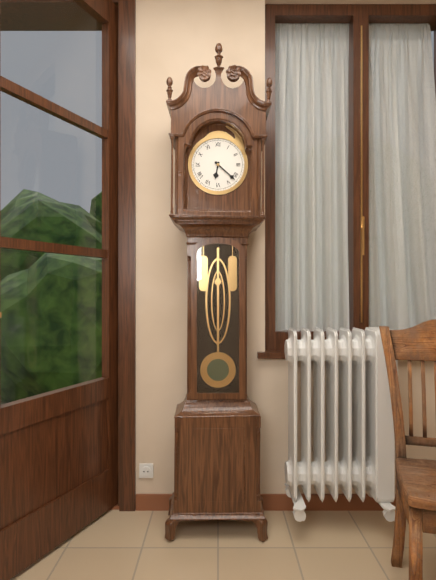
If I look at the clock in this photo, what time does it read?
6:22
